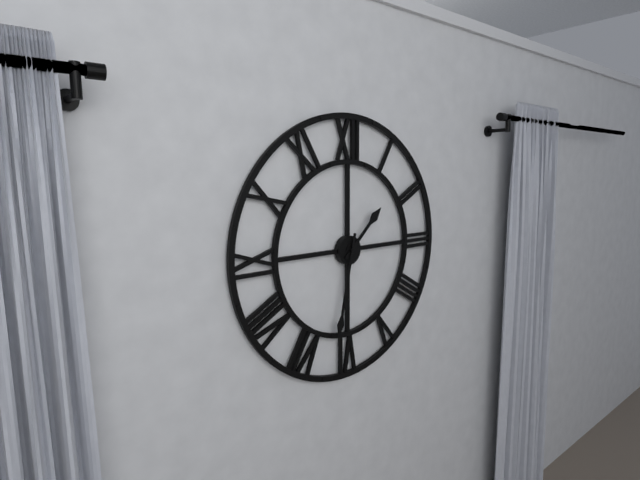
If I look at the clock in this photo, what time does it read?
1:32
